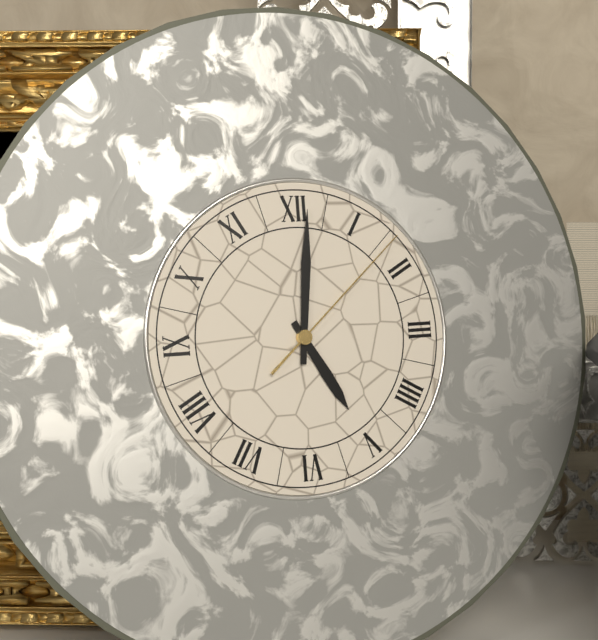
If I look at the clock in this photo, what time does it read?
5:01:08
